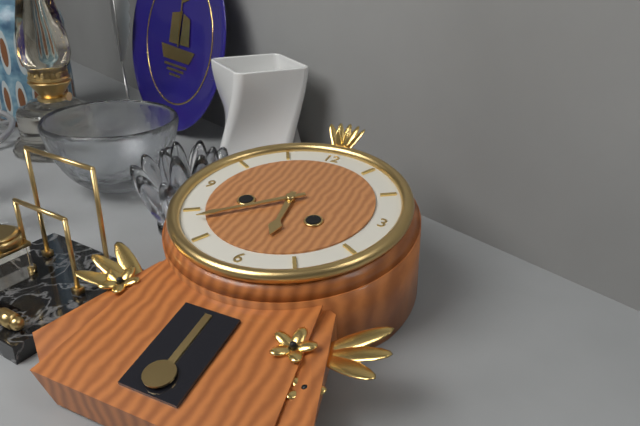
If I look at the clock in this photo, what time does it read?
5:38
